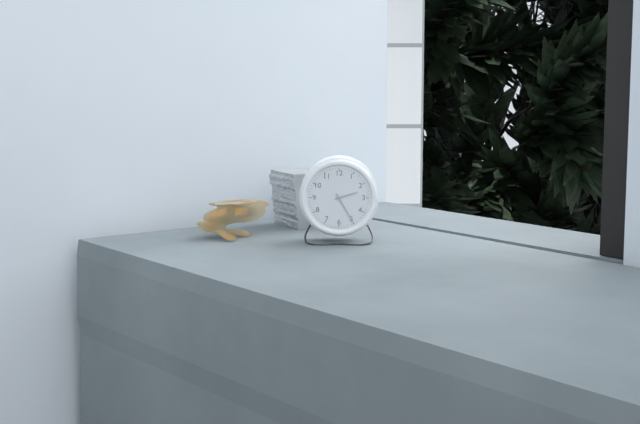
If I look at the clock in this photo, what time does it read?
2:25
